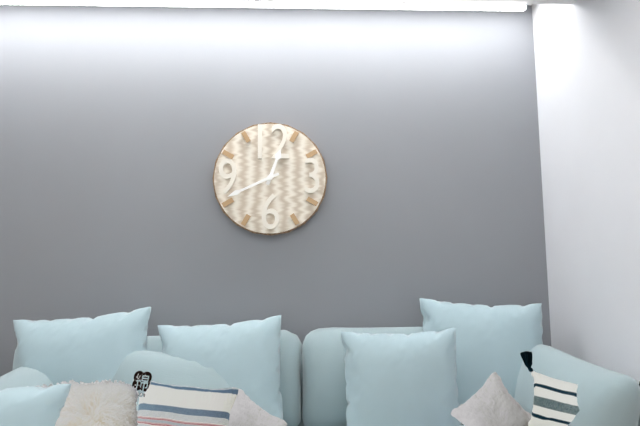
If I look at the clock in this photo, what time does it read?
12:41
